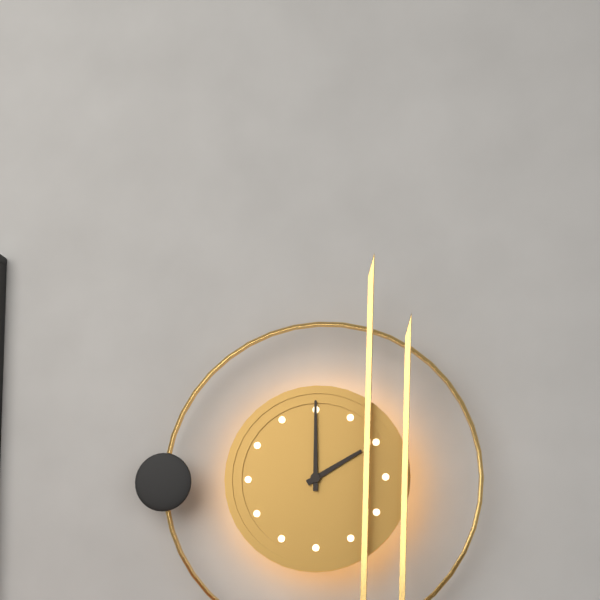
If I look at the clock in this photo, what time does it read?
2:00
